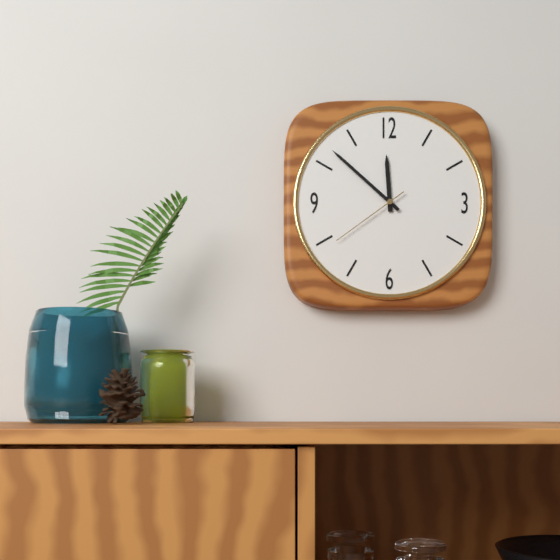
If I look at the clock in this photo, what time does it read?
11:52:39
